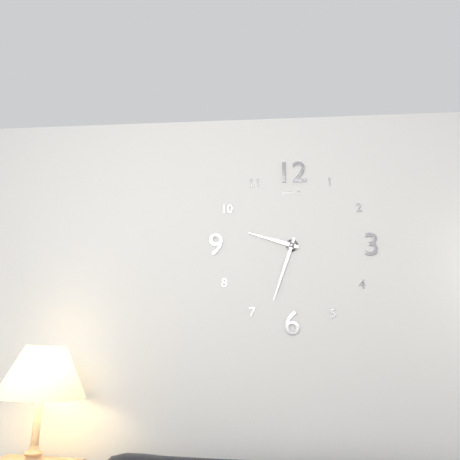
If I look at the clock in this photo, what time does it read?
9:33
